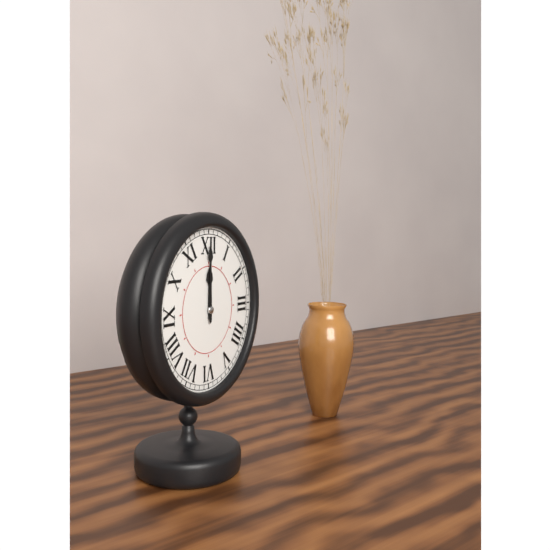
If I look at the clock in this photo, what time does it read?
12:00
